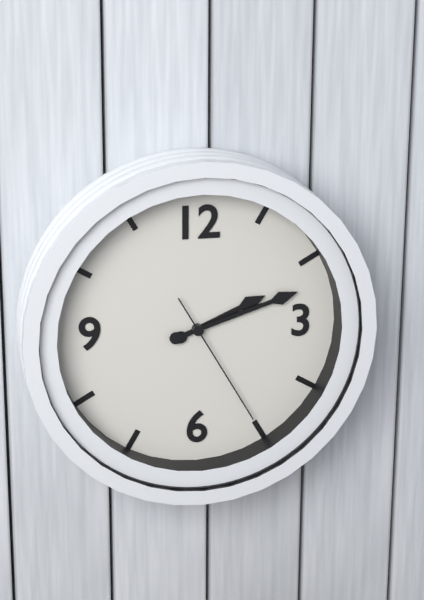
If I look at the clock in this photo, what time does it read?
2:12:25
